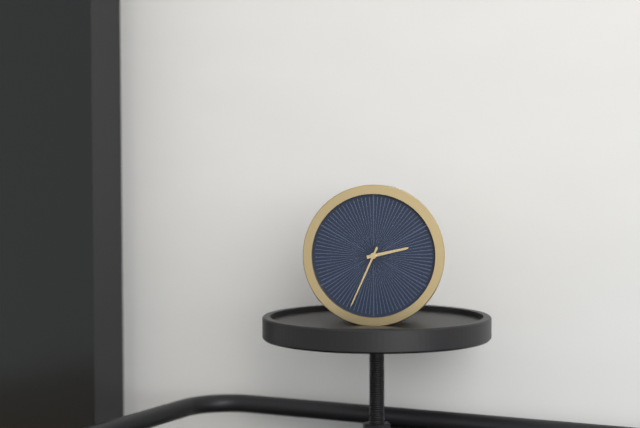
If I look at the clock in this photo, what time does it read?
2:34
